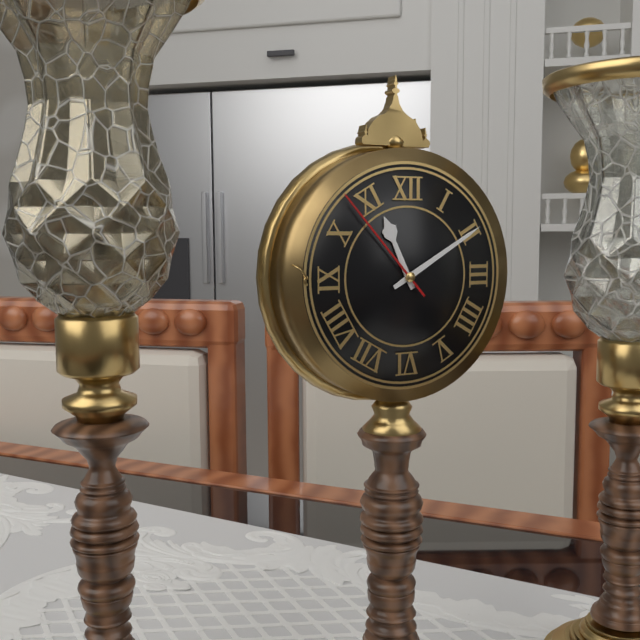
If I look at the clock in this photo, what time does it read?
11:10:53
